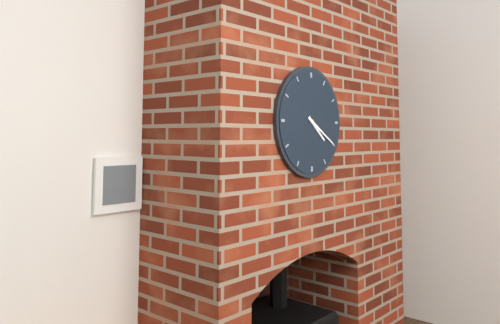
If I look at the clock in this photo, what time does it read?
4:20
